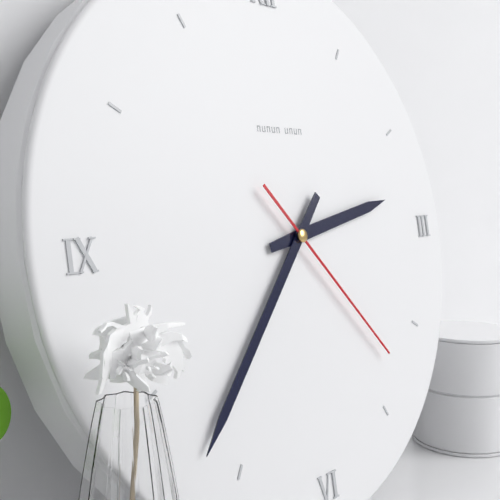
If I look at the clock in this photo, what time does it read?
2:37:23
